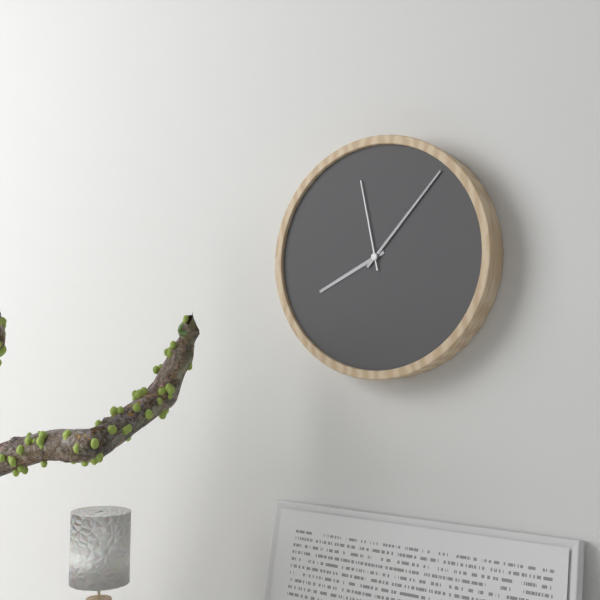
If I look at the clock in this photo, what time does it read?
8:07:58
